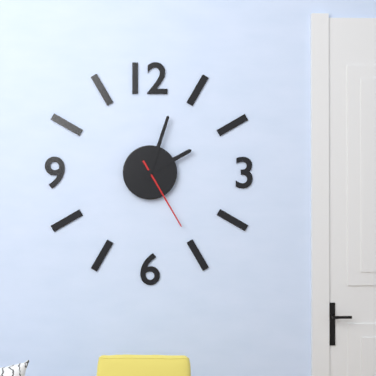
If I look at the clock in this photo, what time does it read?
2:03:25
